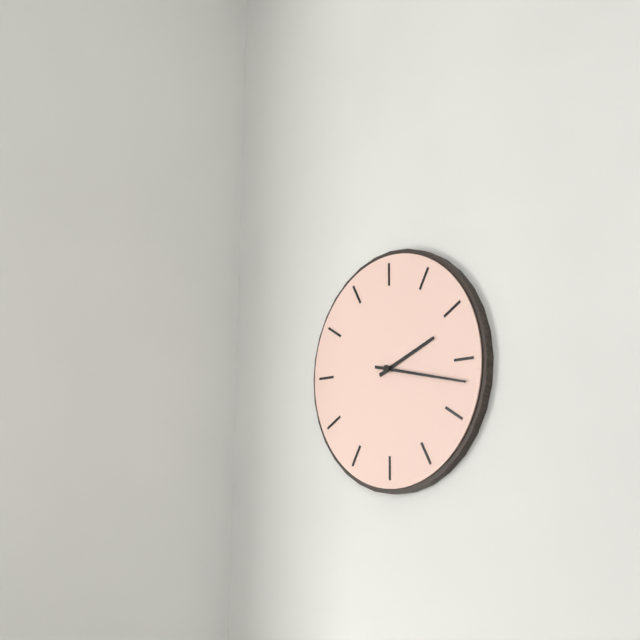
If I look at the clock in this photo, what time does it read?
2:17
